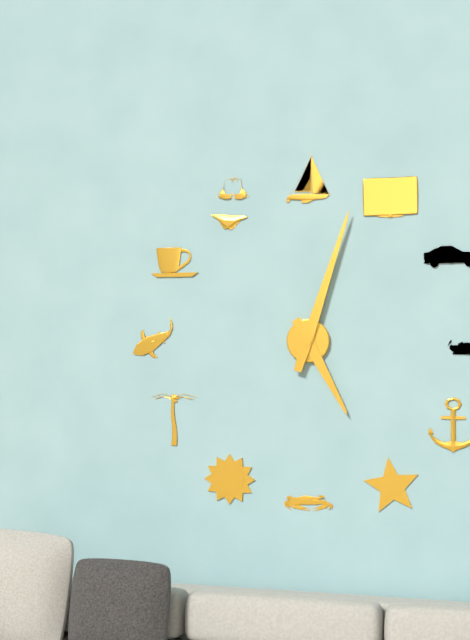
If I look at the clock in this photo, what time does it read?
5:03
